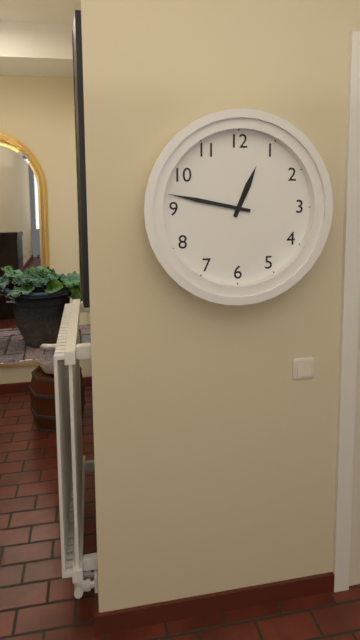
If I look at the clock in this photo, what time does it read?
12:47
